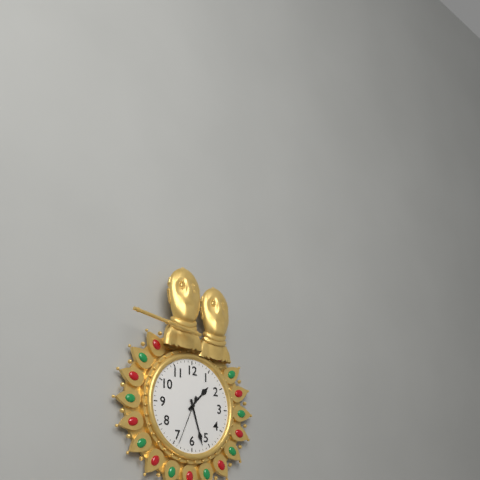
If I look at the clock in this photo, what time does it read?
1:27:34
